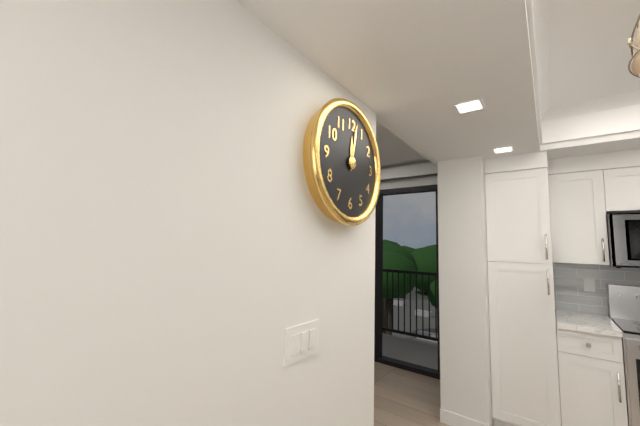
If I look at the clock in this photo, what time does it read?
12:02
